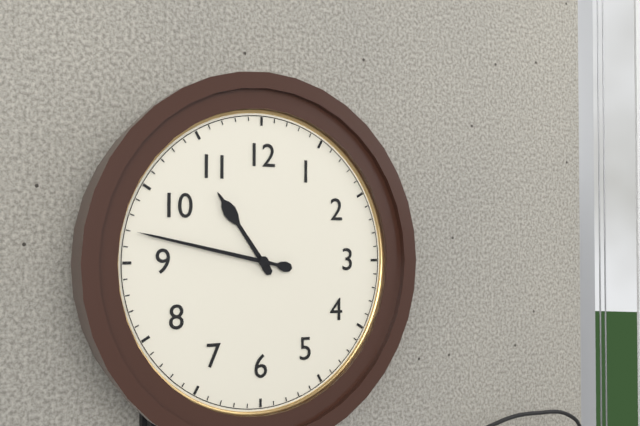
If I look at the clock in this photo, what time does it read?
10:47
